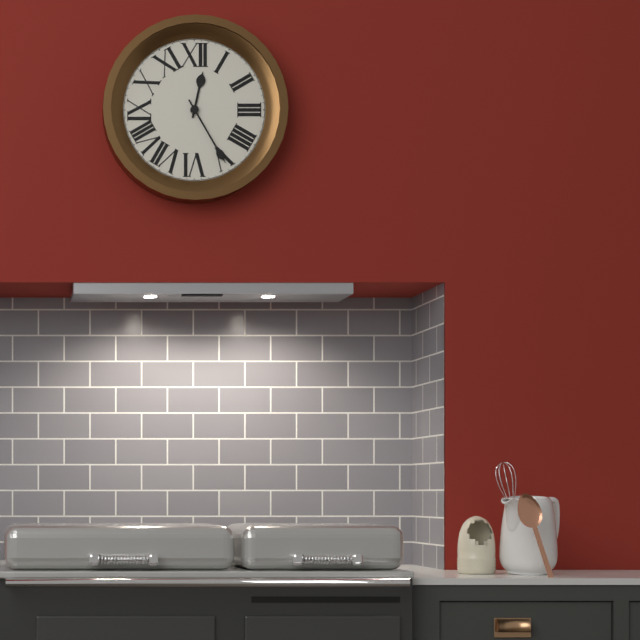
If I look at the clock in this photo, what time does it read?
12:25
